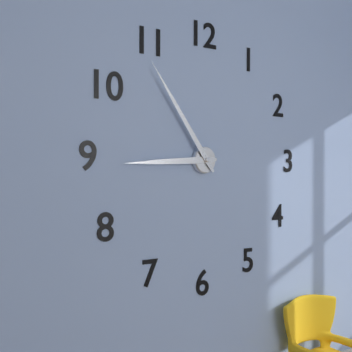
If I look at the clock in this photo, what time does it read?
8:54
